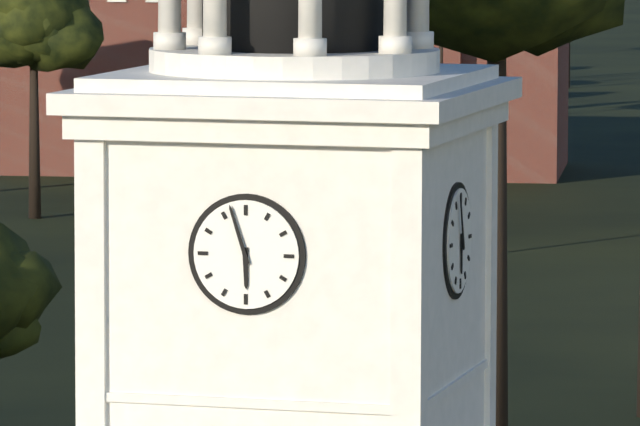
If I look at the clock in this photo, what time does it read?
5:57
